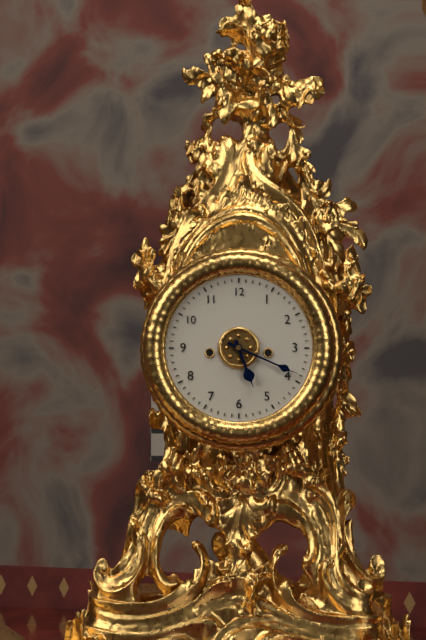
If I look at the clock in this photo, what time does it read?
5:19
